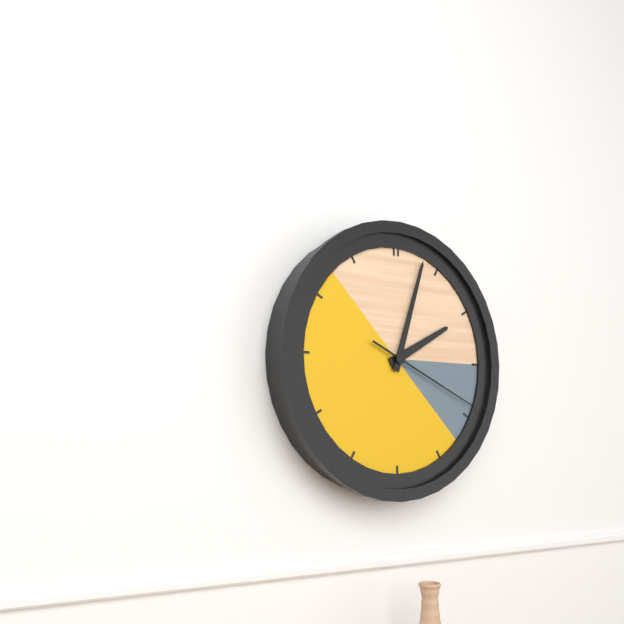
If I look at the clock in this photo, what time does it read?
2:03:19
